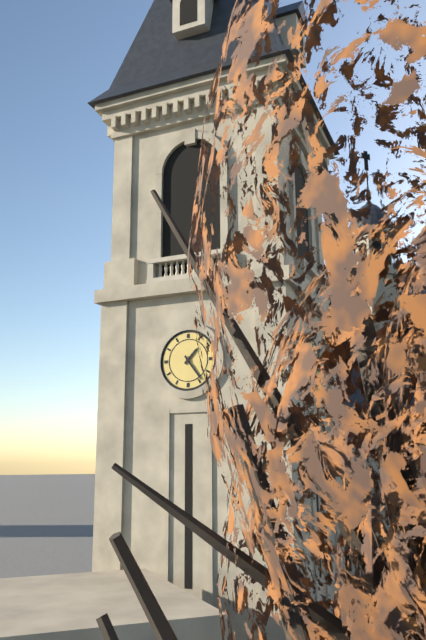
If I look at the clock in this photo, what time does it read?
1:24
